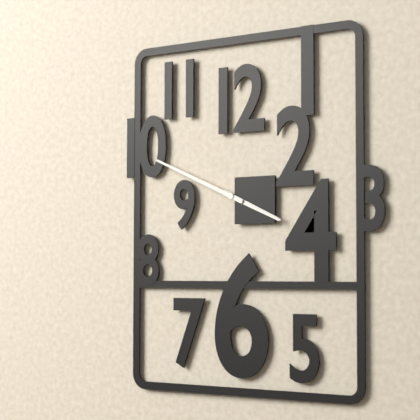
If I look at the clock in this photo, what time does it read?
3:49
